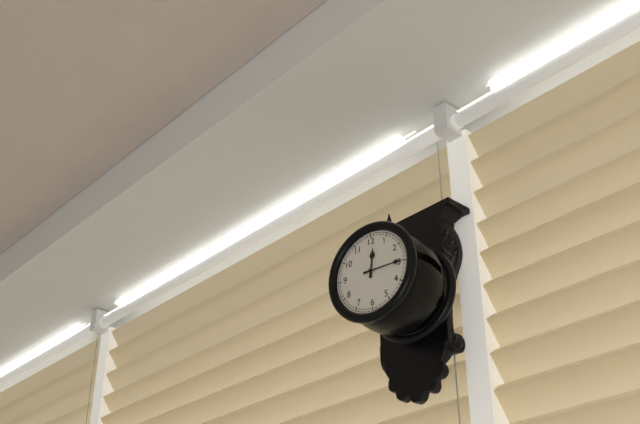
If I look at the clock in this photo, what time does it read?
12:15
